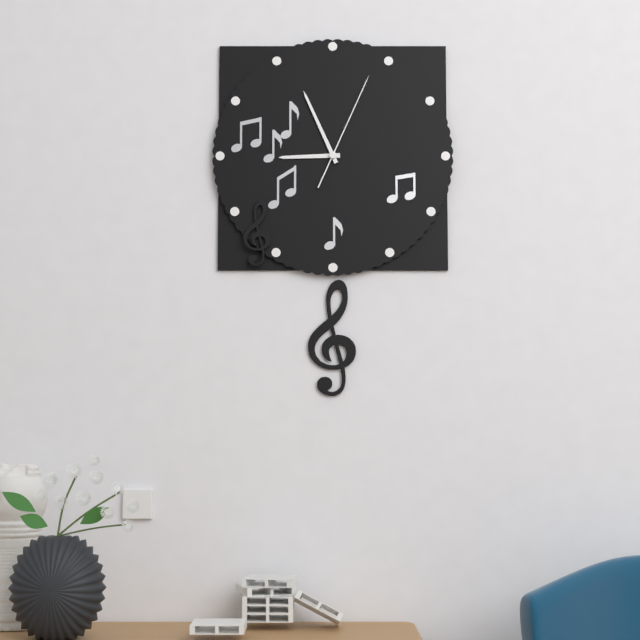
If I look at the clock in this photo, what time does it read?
8:56:04
